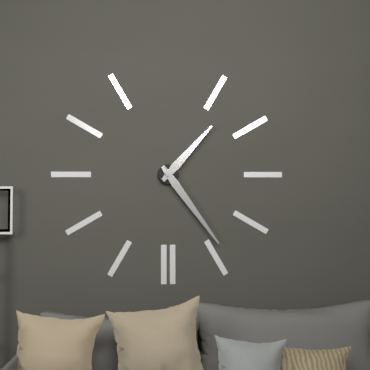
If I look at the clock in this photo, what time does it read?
1:24
